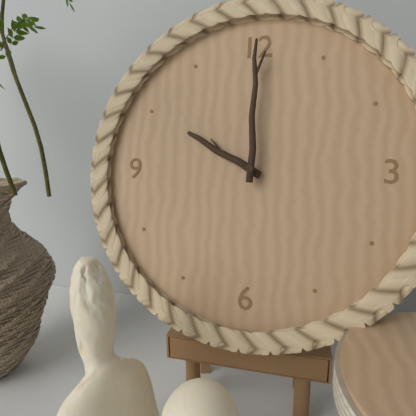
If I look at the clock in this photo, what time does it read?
10:00
